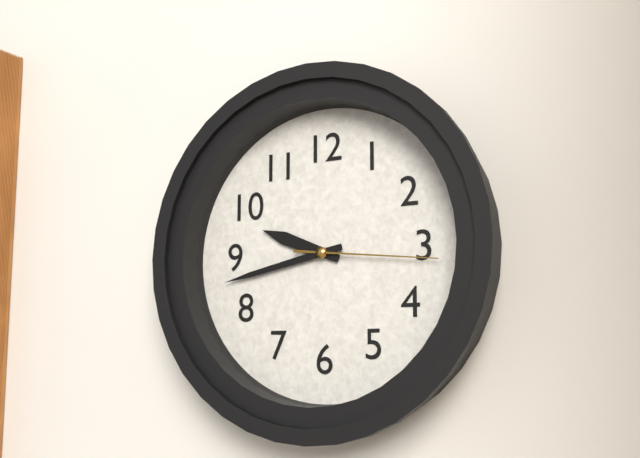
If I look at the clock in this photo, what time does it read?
9:43:16
